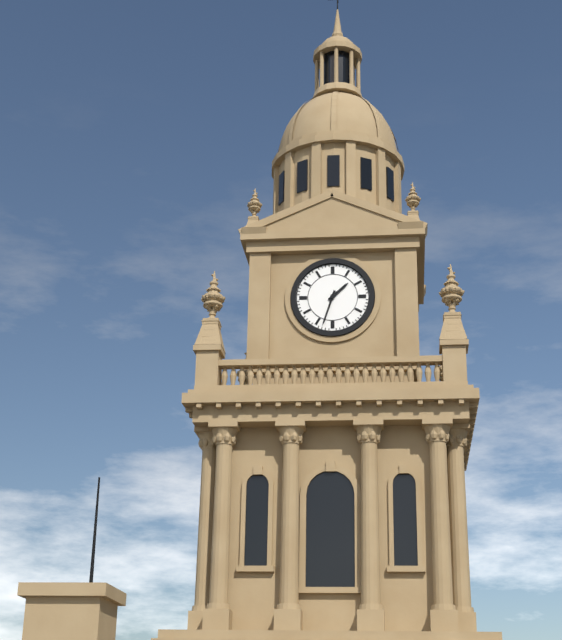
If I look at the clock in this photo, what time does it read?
1:33
